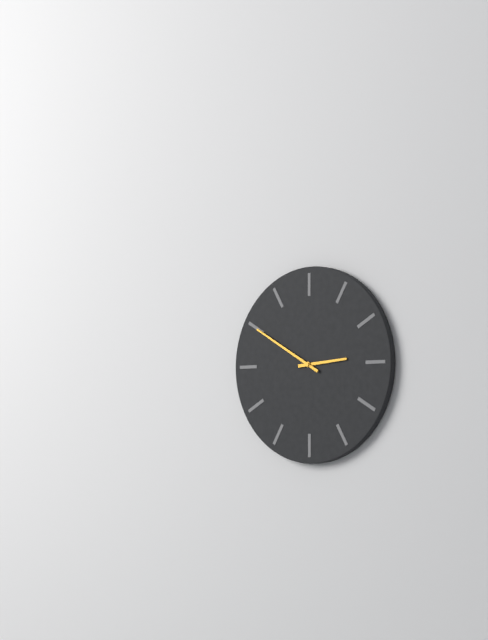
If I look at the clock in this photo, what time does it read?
2:50
